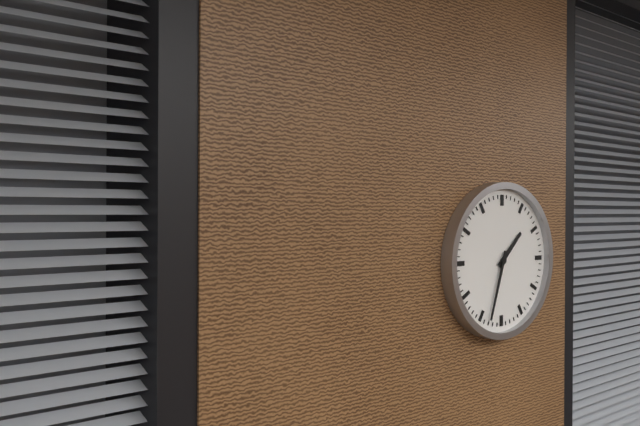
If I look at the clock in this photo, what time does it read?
1:33
